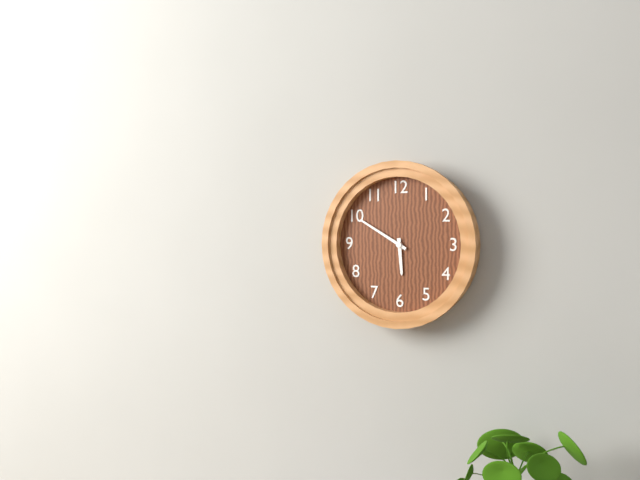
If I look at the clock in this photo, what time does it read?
5:50
